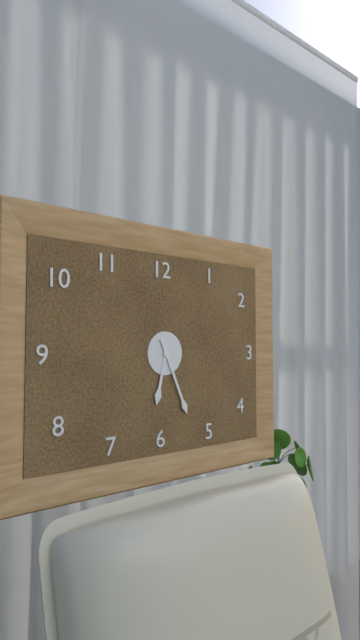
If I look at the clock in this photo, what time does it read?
6:26
